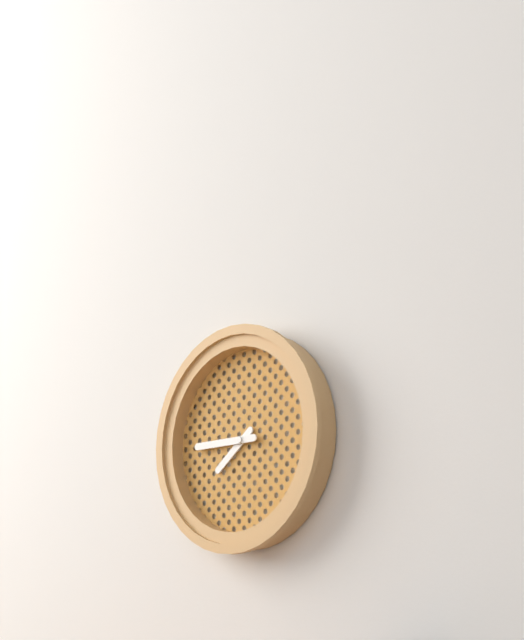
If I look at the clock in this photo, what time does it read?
7:45
